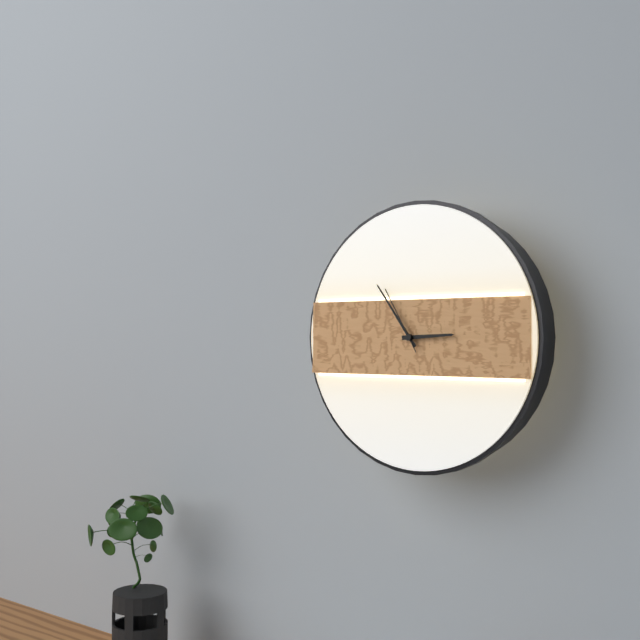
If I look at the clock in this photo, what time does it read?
2:54:55
